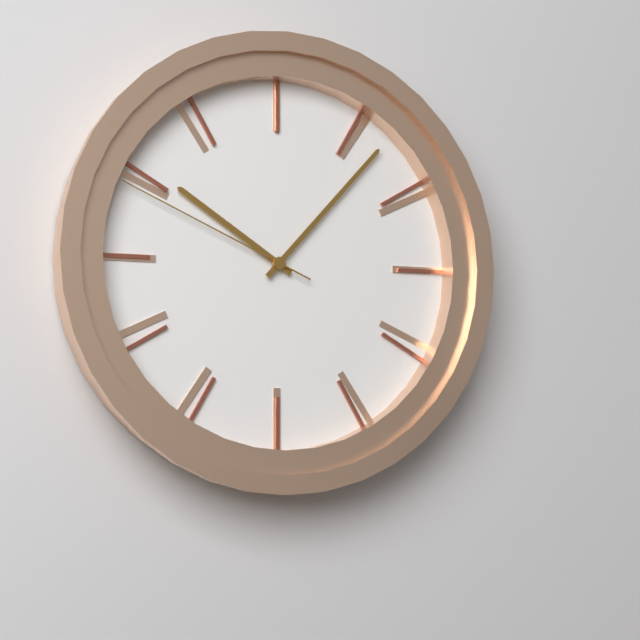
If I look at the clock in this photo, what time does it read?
10:07:49
